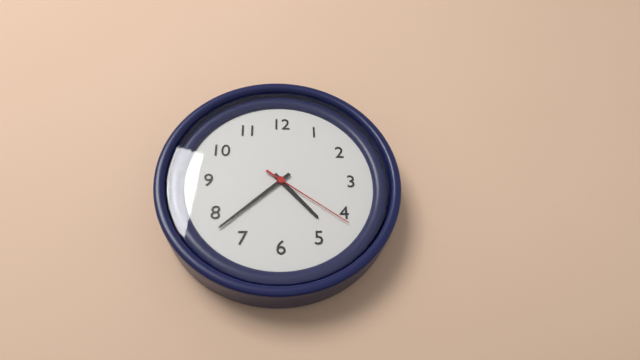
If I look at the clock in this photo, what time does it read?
4:38:21
